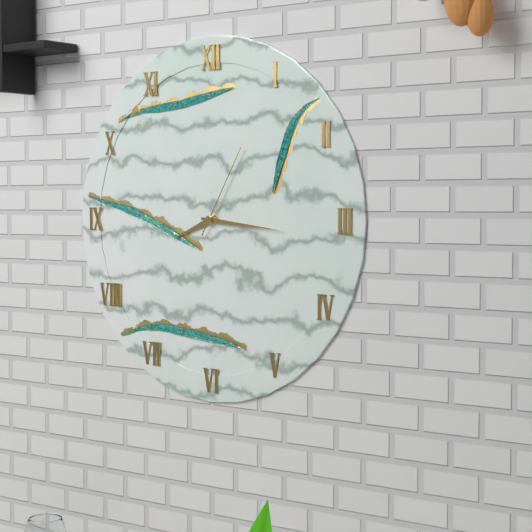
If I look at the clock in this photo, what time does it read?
8:16:05
